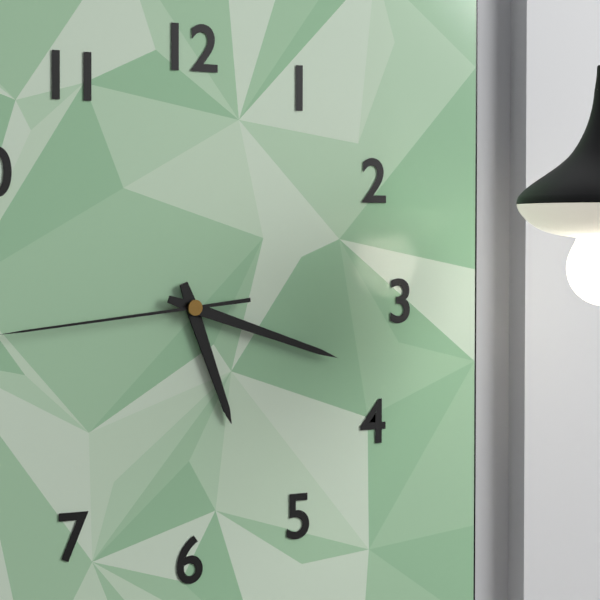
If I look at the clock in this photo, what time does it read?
5:18
